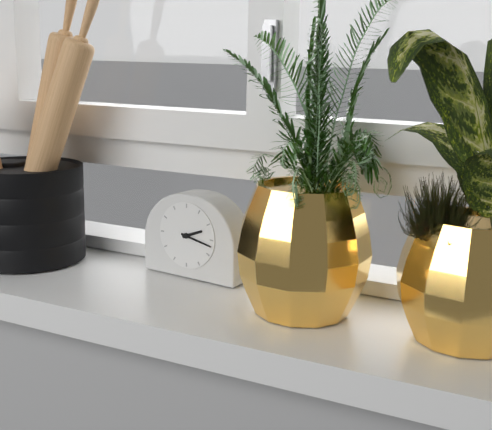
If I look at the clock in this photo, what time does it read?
2:17
